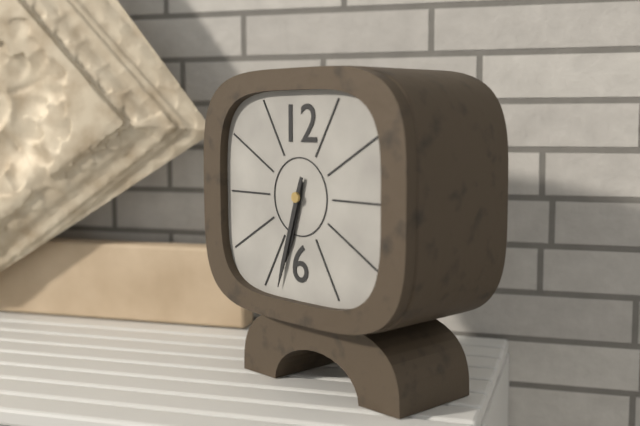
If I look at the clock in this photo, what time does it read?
6:33
